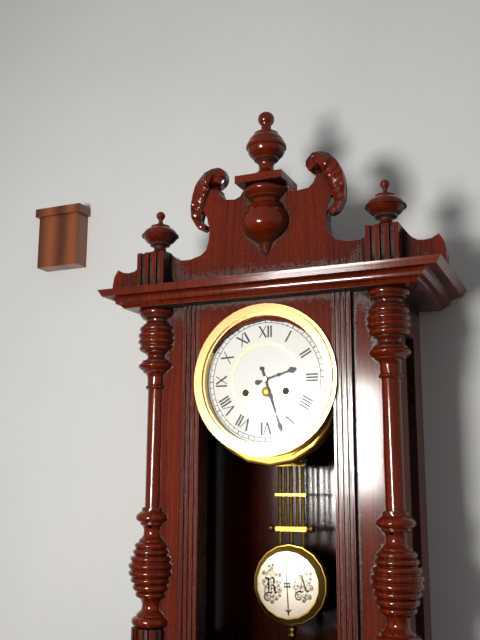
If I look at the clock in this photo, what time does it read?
2:27
